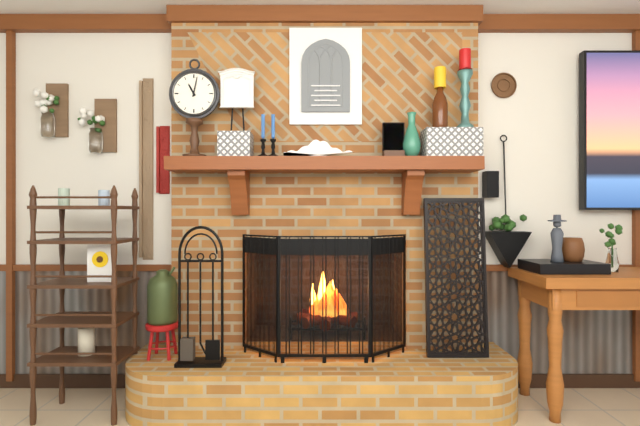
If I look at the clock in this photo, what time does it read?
11:02
